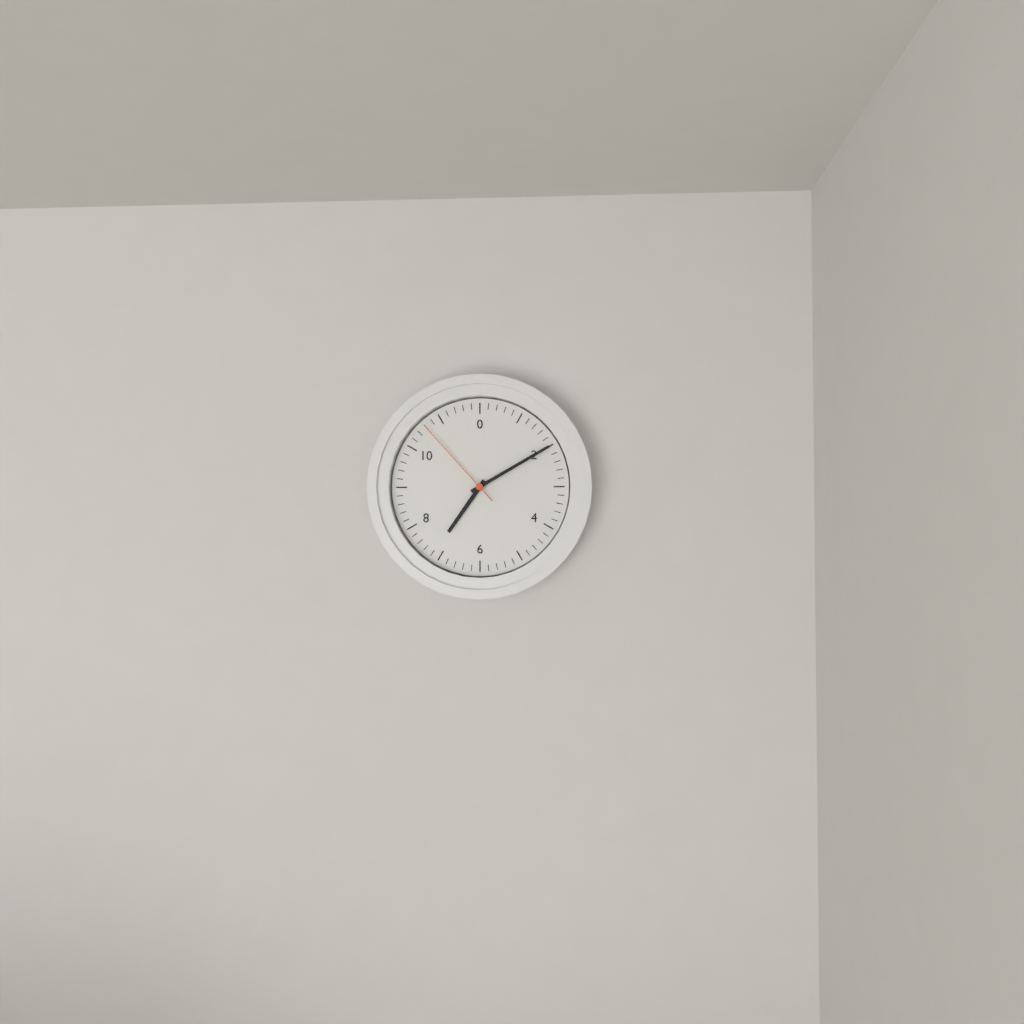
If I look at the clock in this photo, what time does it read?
7:10:53
